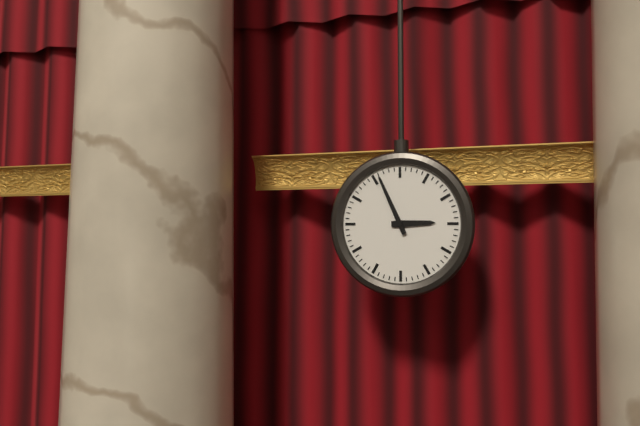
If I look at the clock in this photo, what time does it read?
2:56
